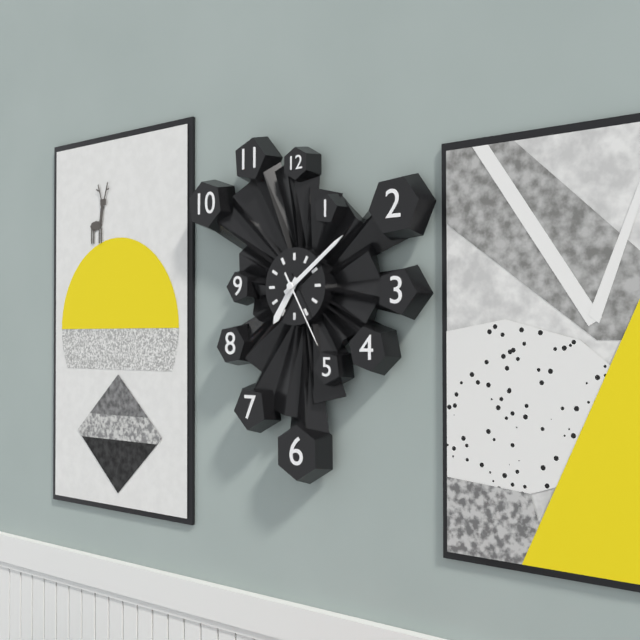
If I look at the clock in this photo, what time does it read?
7:09:25
